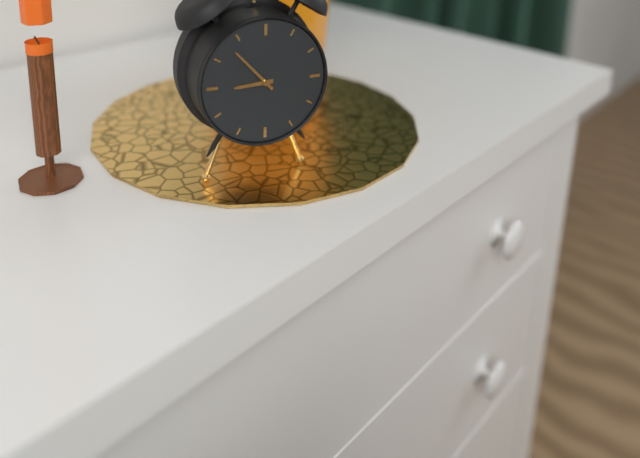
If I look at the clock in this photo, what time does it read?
8:53
